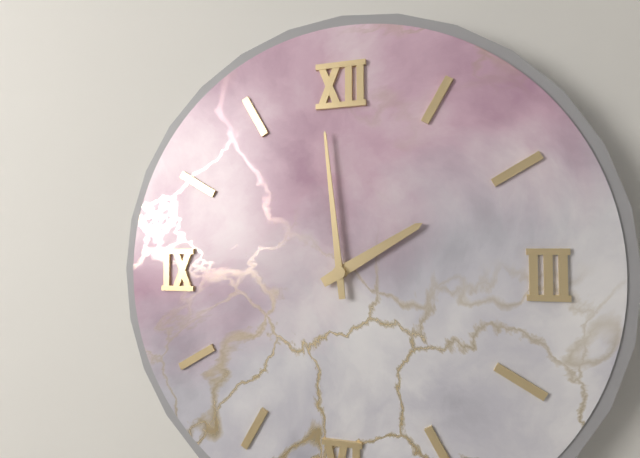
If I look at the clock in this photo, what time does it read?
1:59
